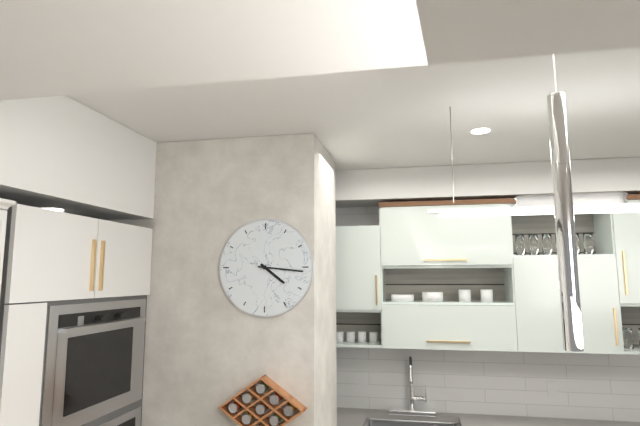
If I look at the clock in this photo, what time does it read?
4:16
